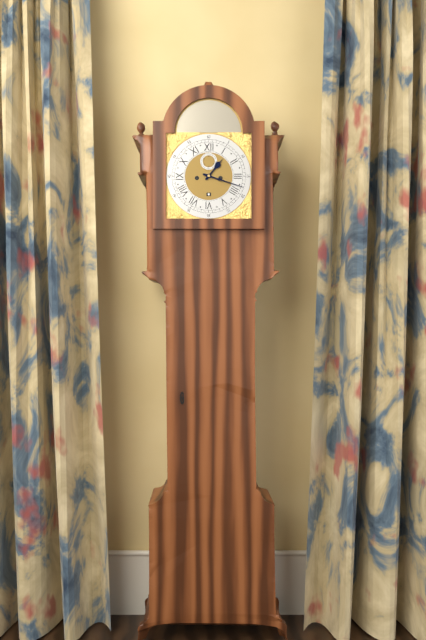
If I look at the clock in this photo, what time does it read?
1:18
